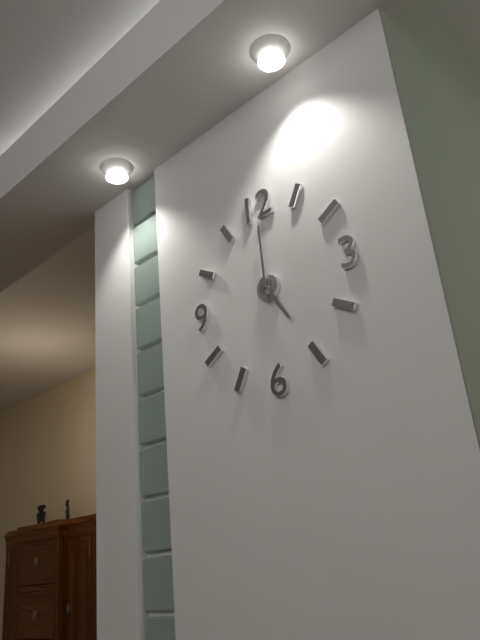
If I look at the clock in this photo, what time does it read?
5:00
